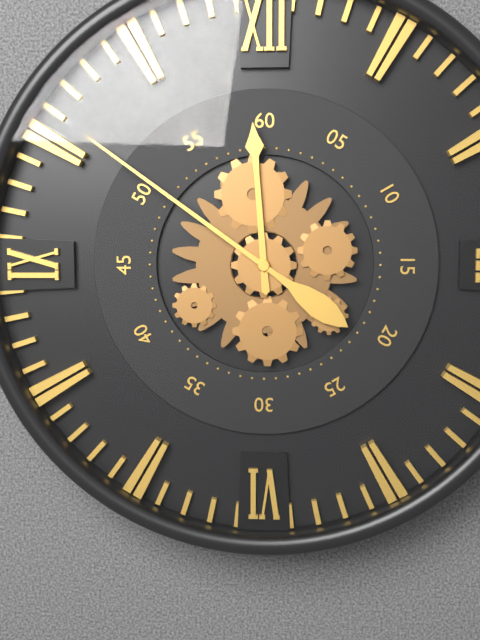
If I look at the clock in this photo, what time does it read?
11:51
